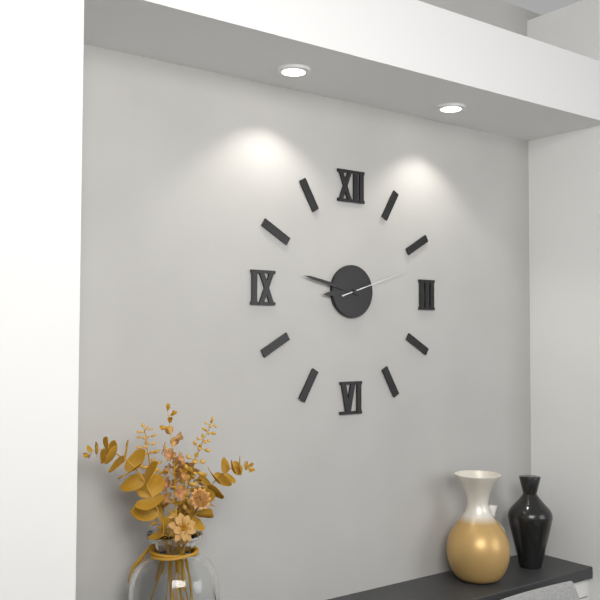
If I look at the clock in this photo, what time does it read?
8:47:12
